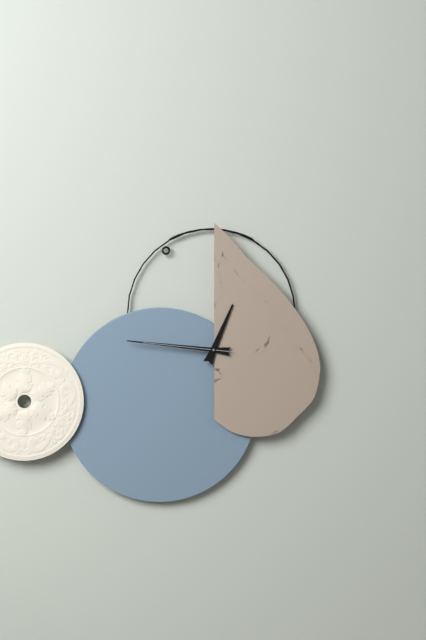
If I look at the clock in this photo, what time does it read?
12:46:46
